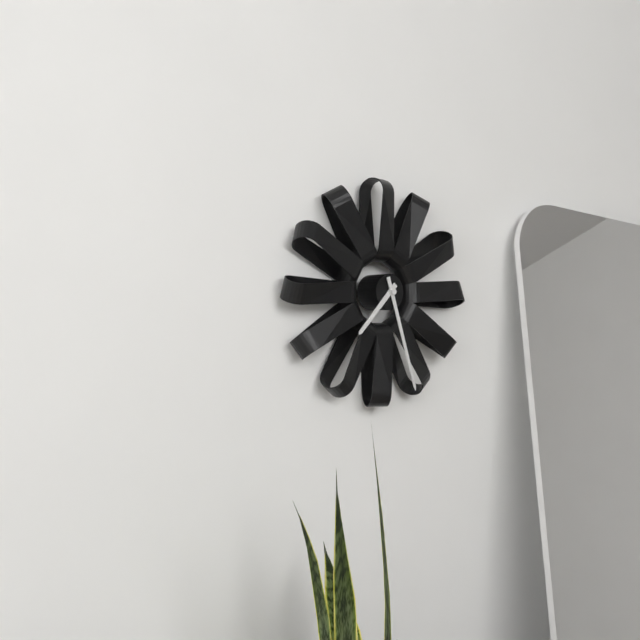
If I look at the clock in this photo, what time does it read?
7:27
